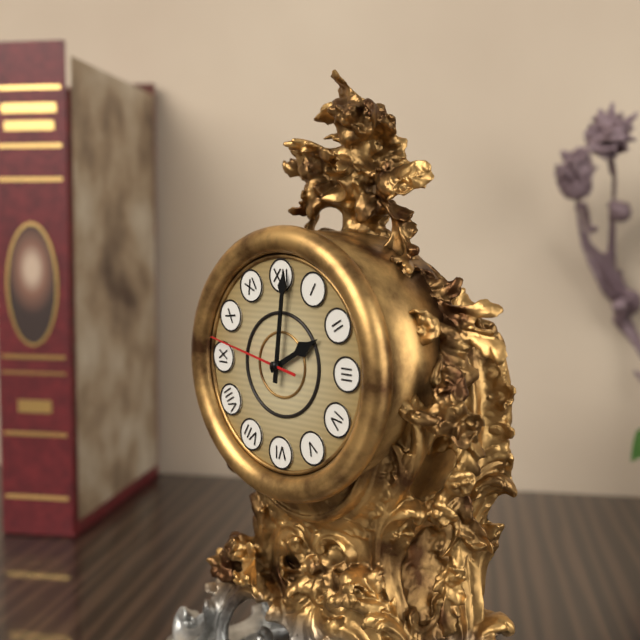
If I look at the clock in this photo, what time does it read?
2:01:47
